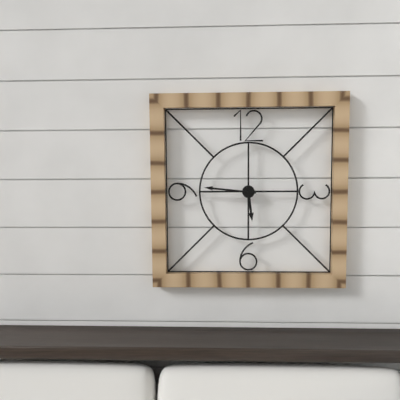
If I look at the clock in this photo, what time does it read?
5:46
